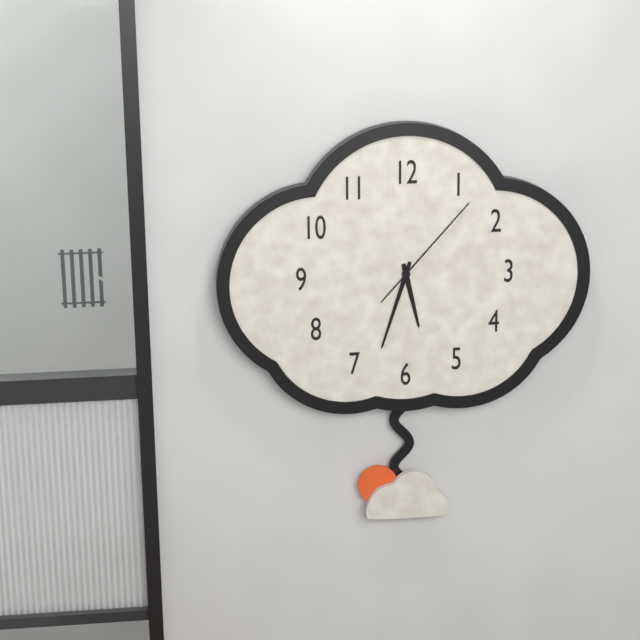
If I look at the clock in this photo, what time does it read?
5:33:07
